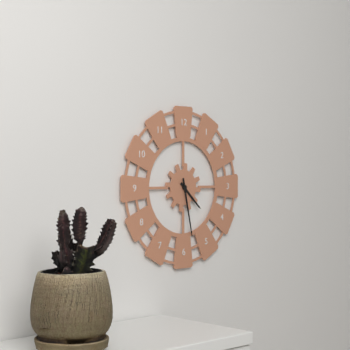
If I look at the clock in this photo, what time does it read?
4:28
